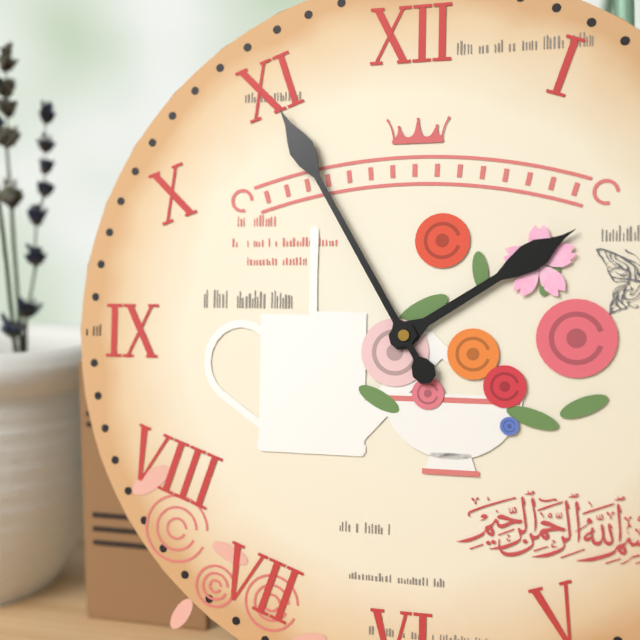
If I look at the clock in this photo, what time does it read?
1:55
